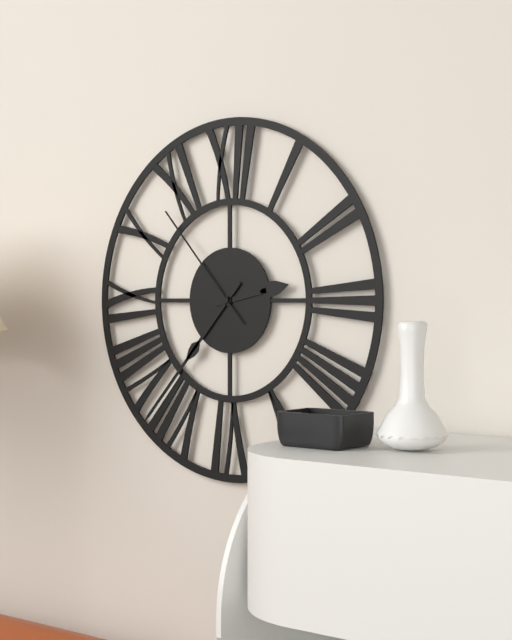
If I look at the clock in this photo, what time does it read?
2:37:53
